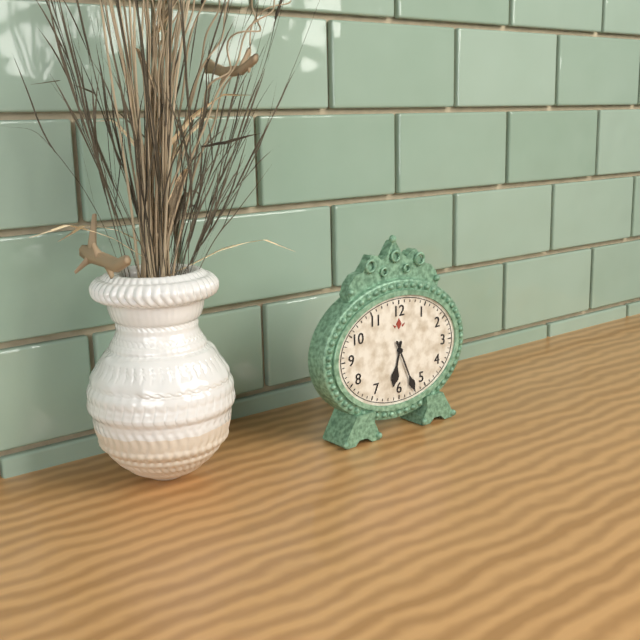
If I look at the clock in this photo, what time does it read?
6:26
